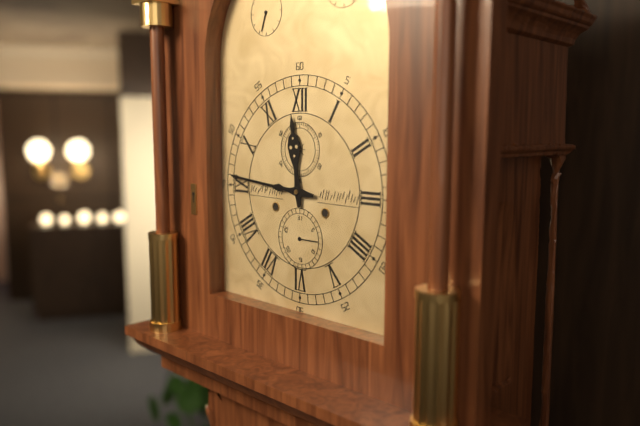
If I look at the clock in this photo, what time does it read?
11:46
